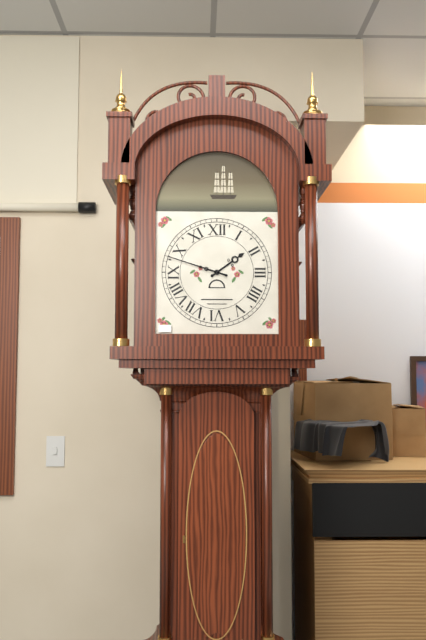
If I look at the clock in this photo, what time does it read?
1:48
